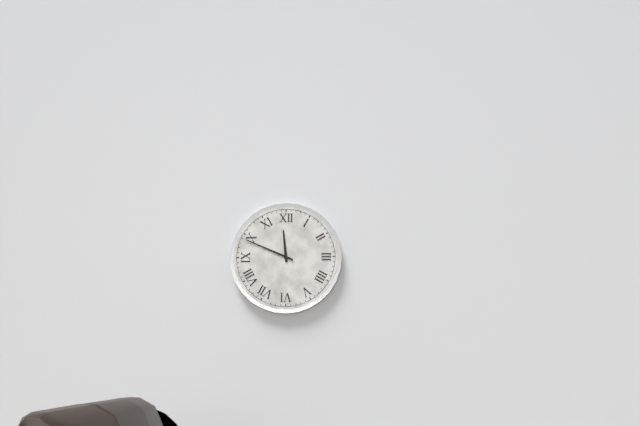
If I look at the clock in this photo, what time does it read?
11:49
